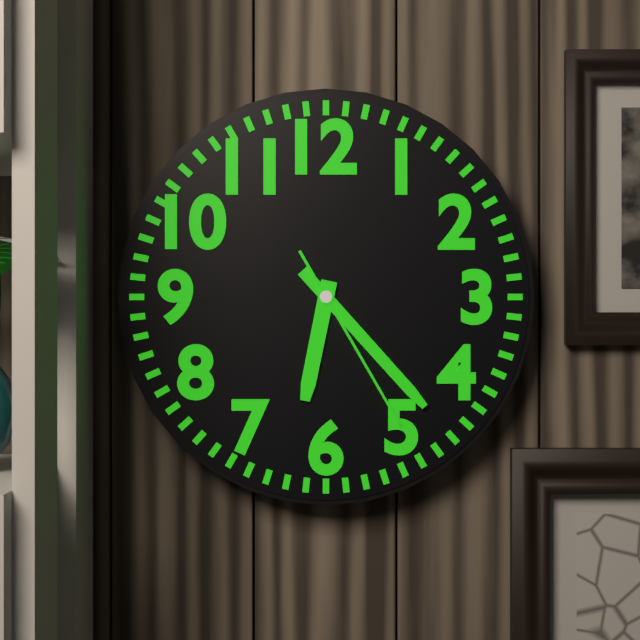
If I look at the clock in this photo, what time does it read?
6:23:25
